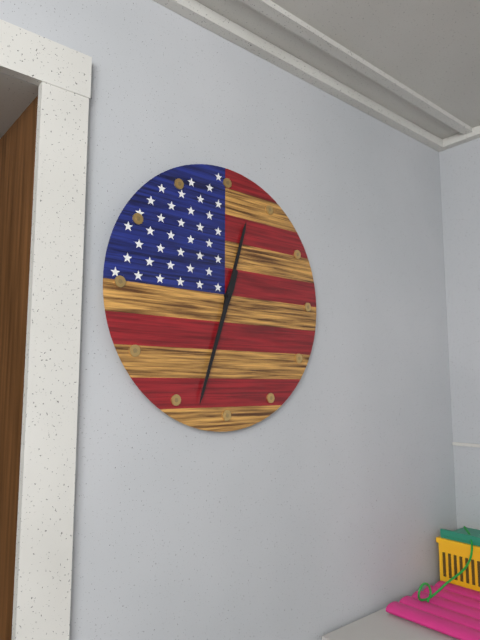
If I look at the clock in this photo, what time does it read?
12:33
